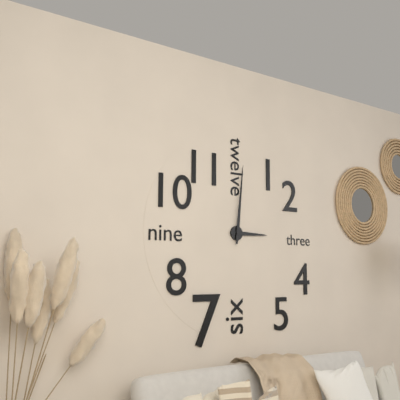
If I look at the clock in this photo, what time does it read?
3:01
